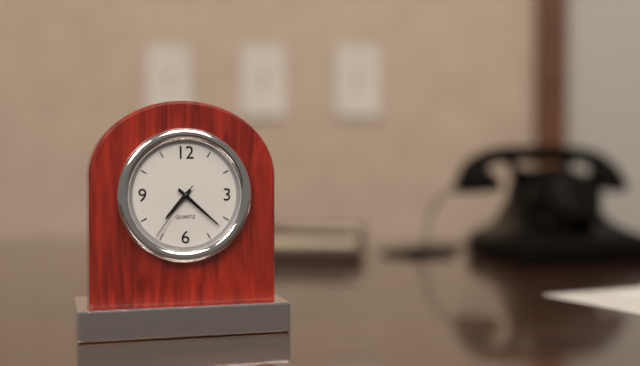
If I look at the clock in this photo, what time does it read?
7:22:36
